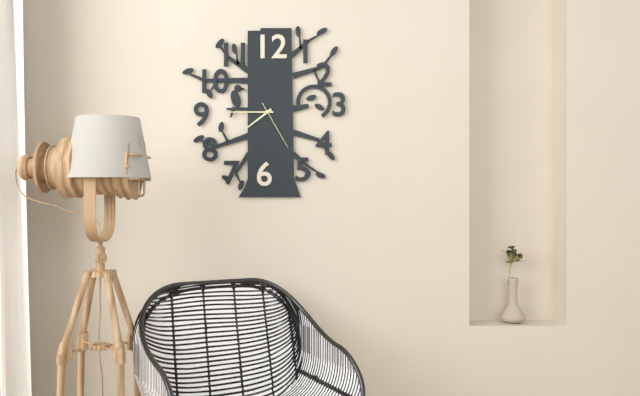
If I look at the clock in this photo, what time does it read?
7:45:25
